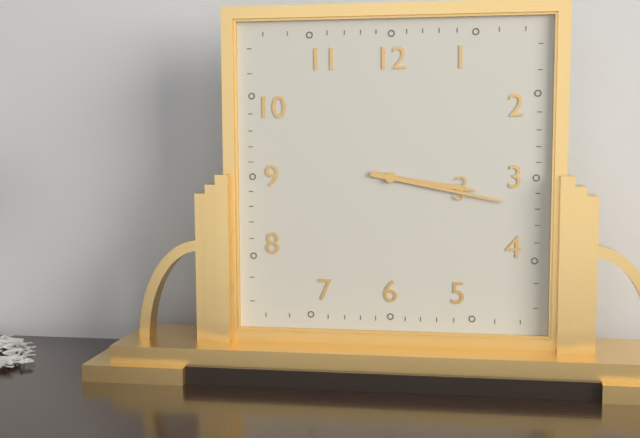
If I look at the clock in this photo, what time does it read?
3:17
